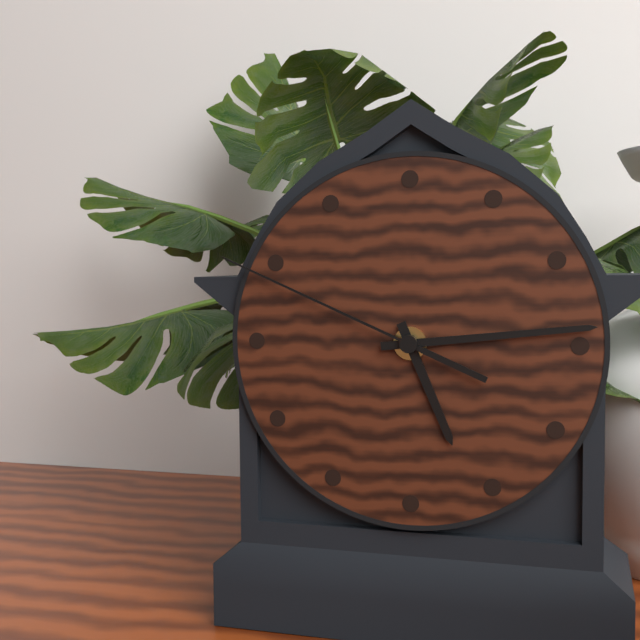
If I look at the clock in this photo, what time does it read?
5:14:49
